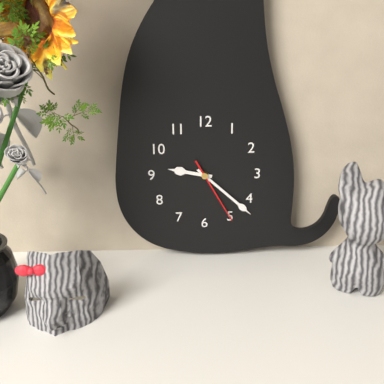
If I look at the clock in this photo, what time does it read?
9:22:25
